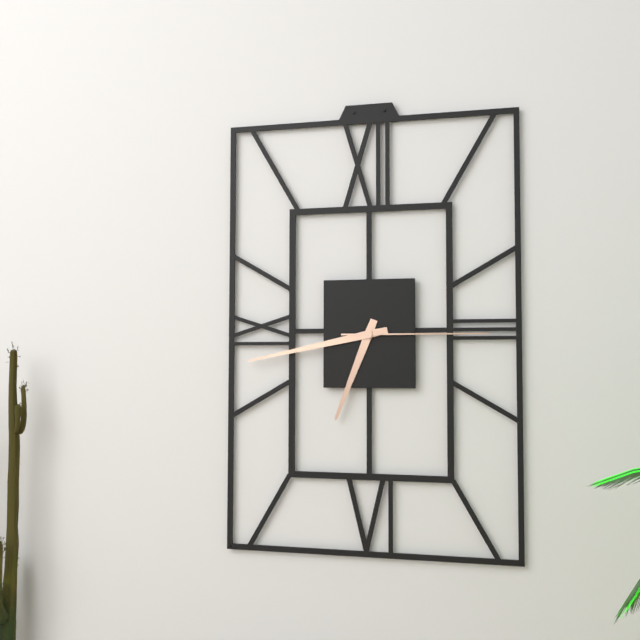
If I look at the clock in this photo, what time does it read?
6:43:15
